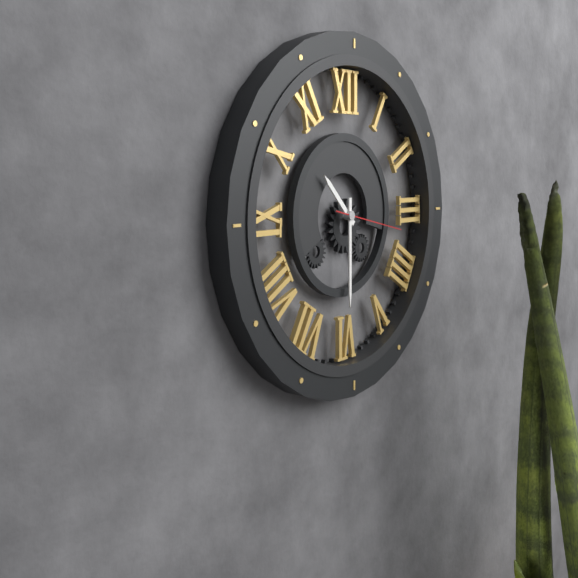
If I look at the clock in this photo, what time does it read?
10:30:17
